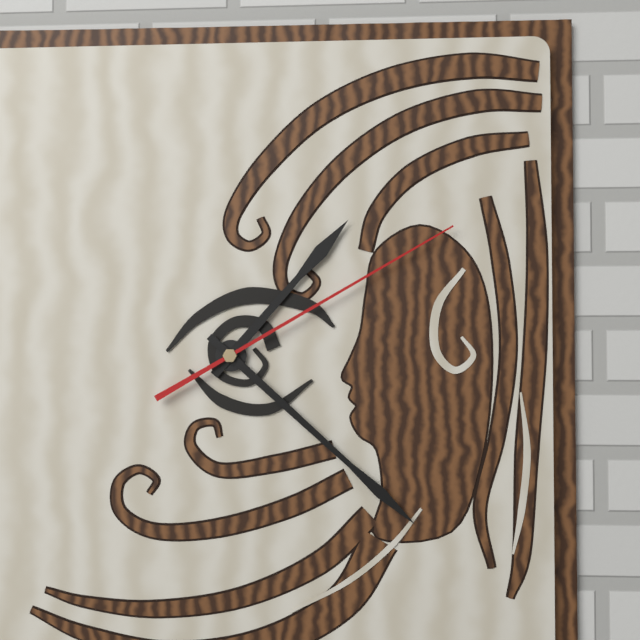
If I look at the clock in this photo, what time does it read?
1:22:10
